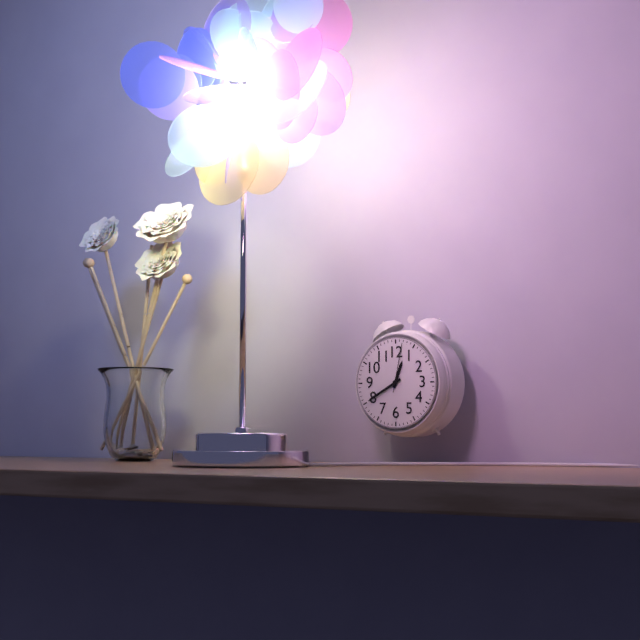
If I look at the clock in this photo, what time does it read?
12:40:02
